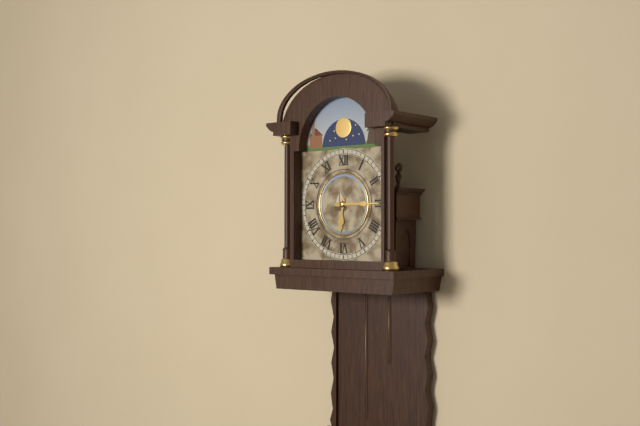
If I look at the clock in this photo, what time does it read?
6:15
